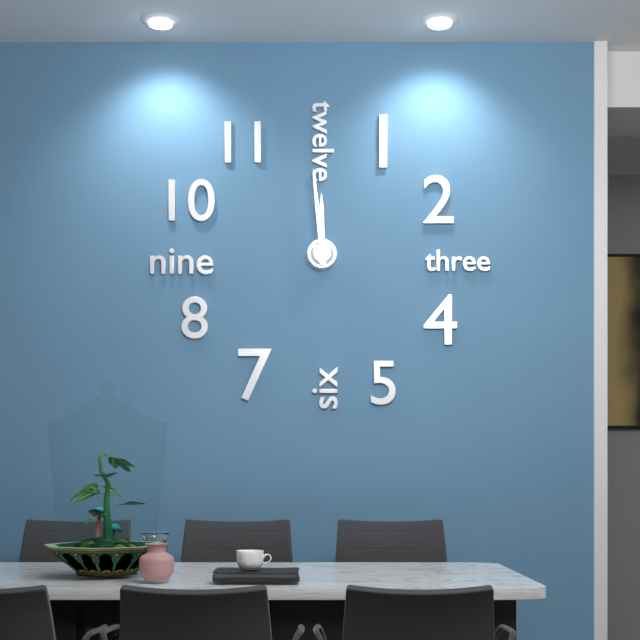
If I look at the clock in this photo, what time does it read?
11:59
